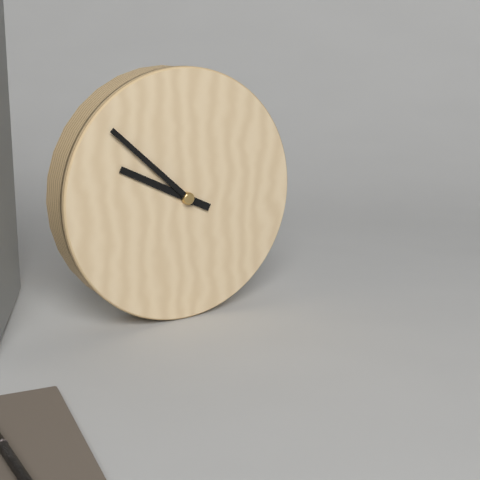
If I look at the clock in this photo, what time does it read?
9:52
